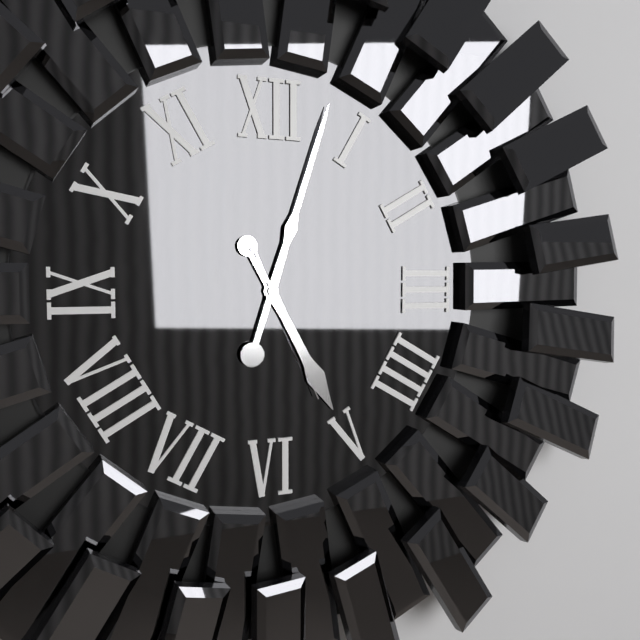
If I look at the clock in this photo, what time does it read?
5:03:26
